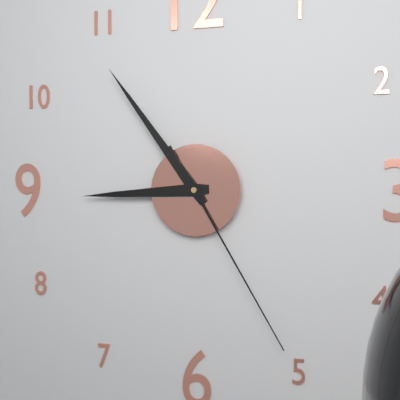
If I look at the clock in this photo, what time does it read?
8:54:25
